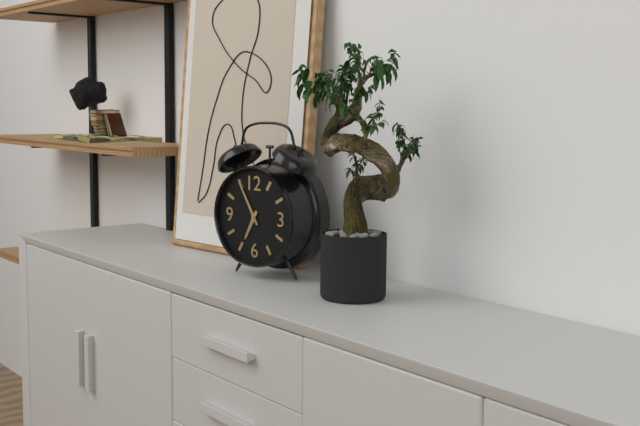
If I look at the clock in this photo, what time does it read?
6:55
